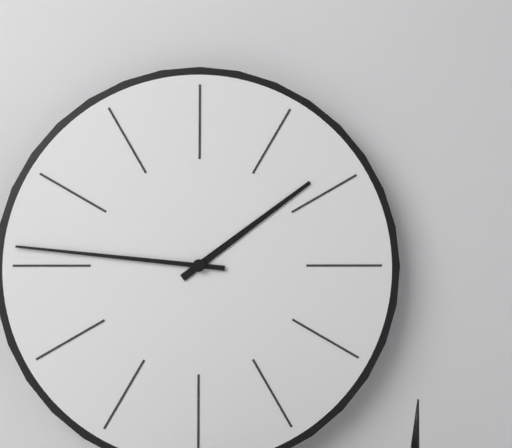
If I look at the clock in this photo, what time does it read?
1:46
